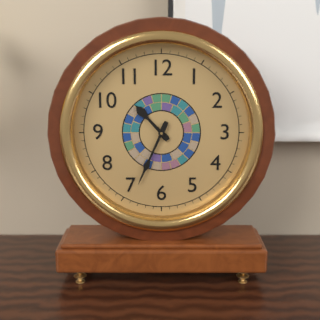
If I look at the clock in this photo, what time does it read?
10:34
